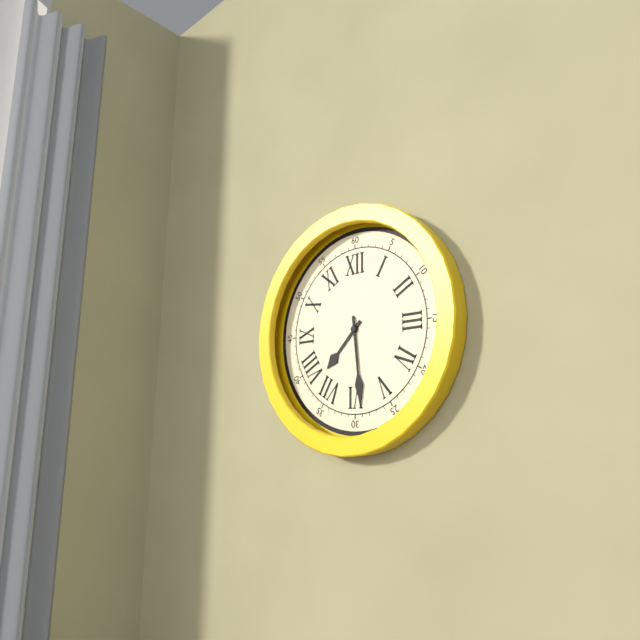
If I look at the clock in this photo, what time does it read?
7:29
